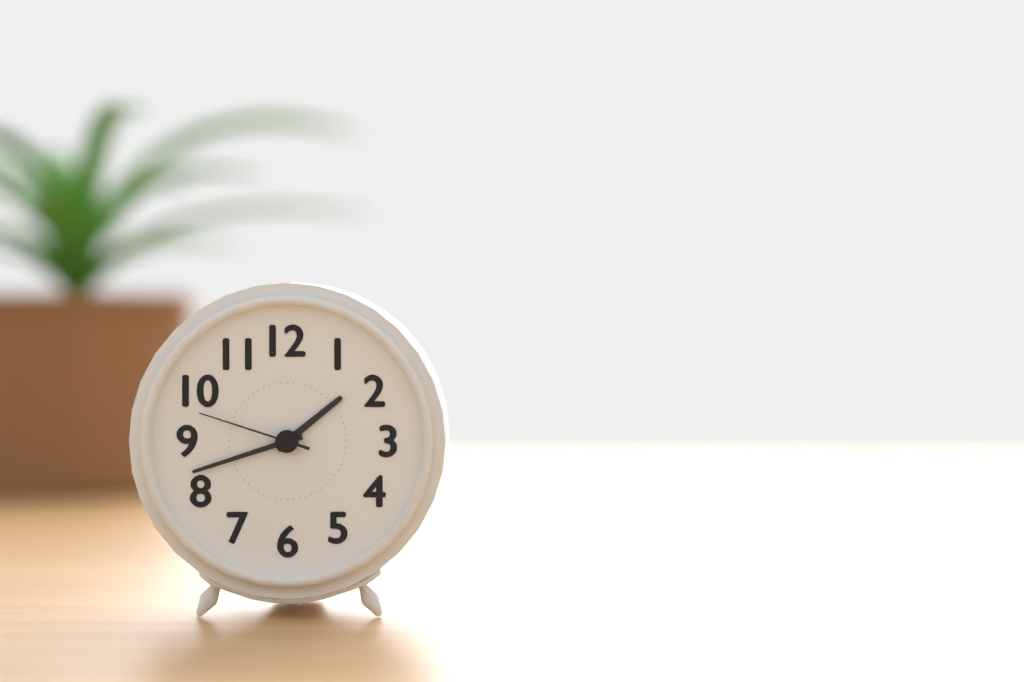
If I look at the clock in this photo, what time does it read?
1:42:48
